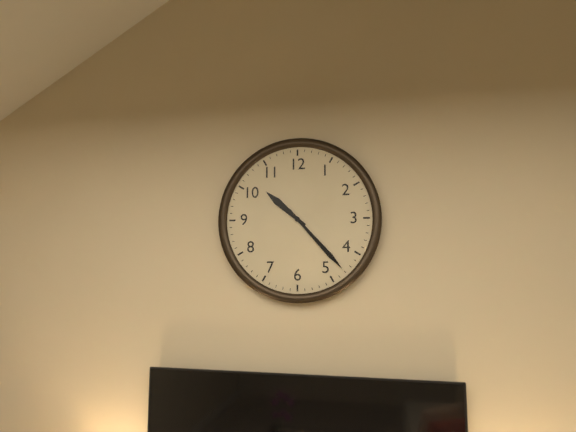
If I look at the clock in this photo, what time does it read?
10:23
